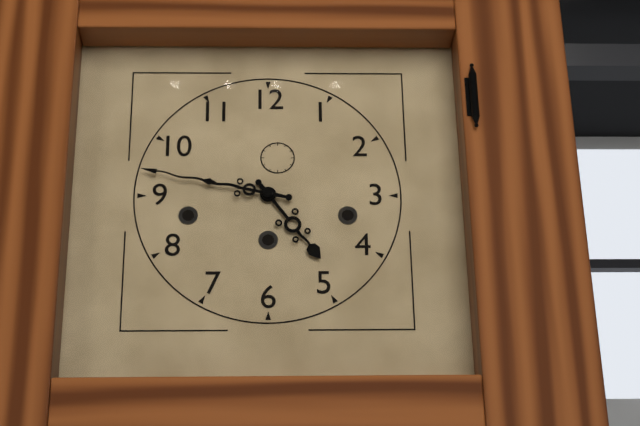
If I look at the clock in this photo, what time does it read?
4:47
